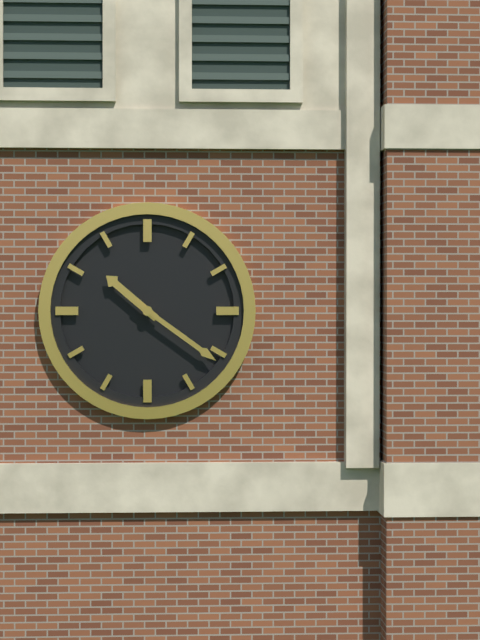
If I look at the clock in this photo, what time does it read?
10:21
